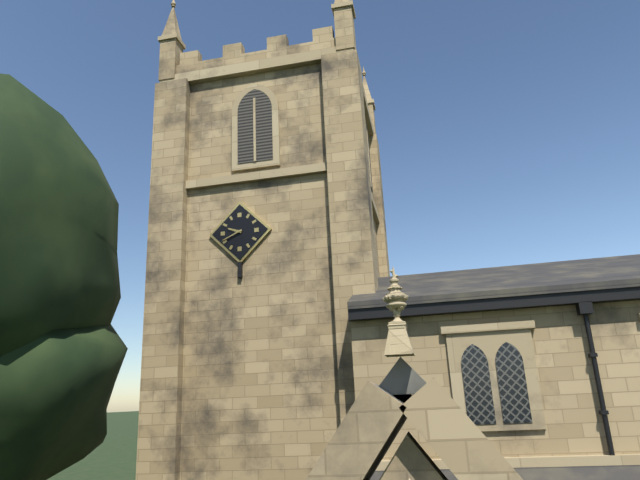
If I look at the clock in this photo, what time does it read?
9:41
